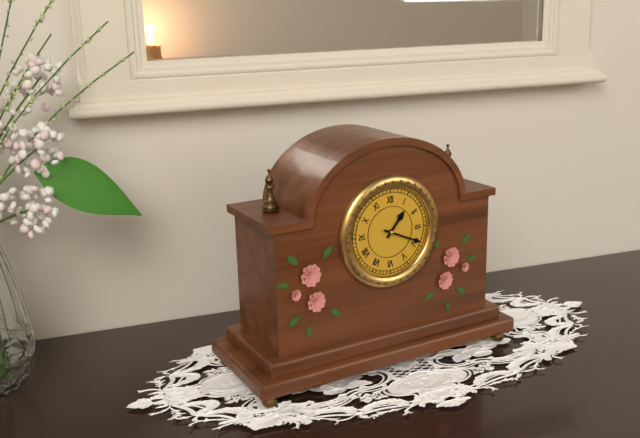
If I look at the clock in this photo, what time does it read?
1:19
